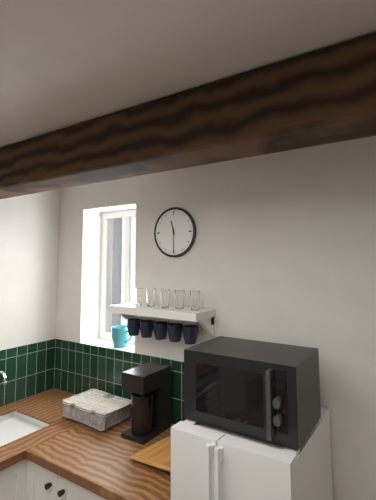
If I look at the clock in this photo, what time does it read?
11:30
